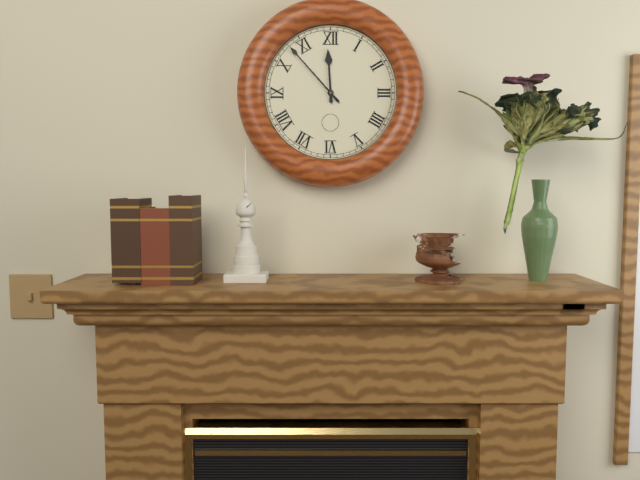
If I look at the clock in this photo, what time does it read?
11:53
